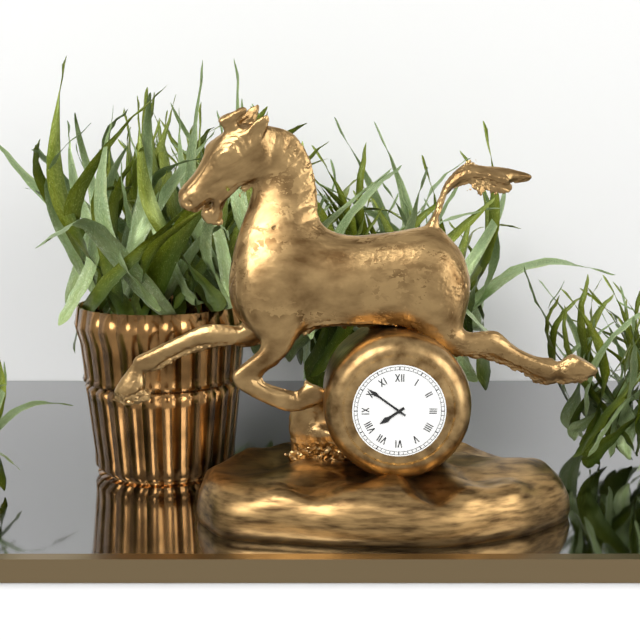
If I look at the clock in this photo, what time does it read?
7:51
